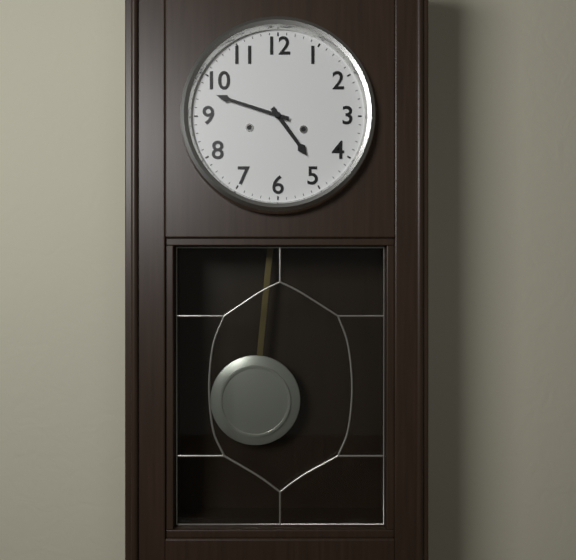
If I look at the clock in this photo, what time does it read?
4:48
